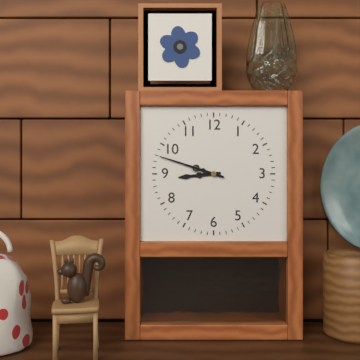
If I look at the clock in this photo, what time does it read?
8:48
